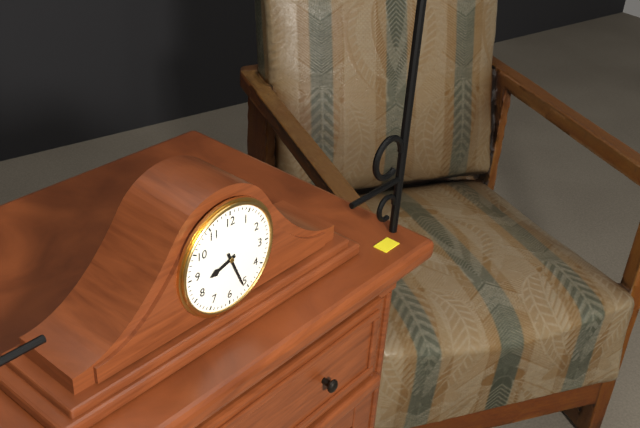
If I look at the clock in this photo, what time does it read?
8:26
